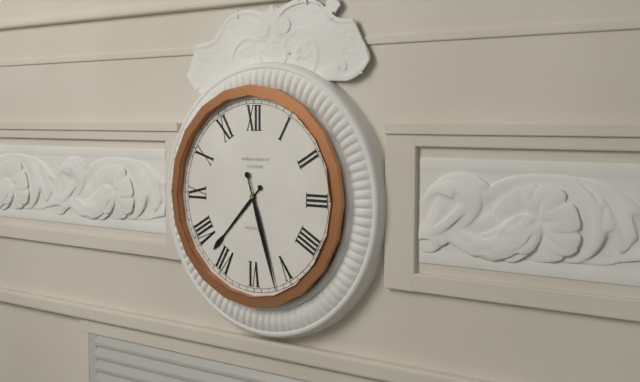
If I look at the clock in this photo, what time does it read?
7:27
